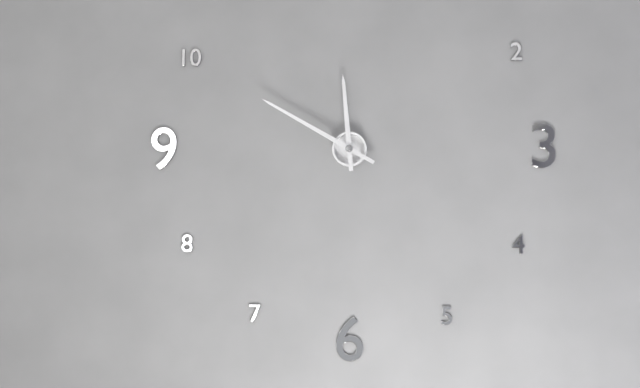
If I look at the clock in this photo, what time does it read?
11:50
